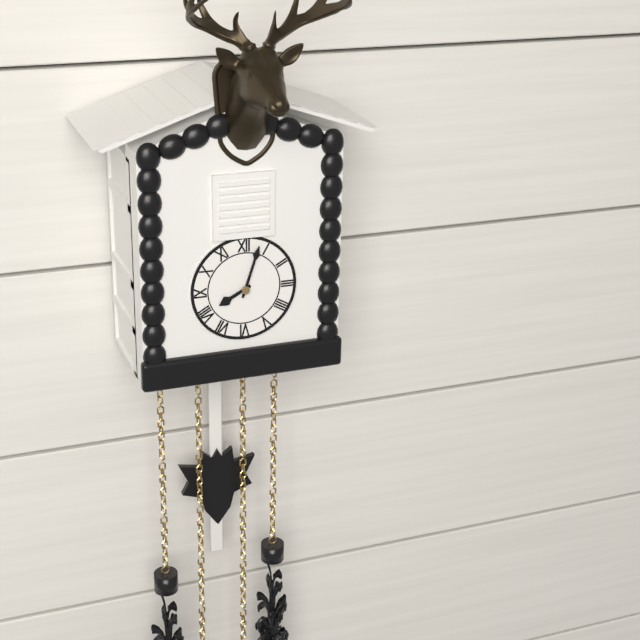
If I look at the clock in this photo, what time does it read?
8:03
